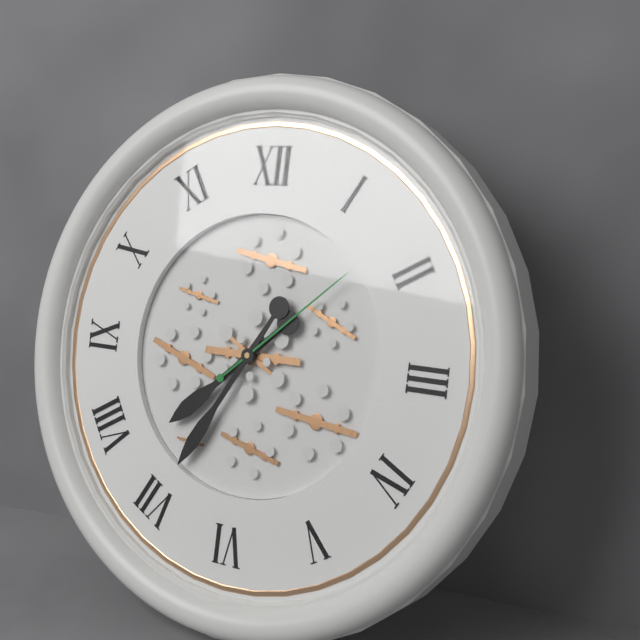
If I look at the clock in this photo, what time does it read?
7:35:08
